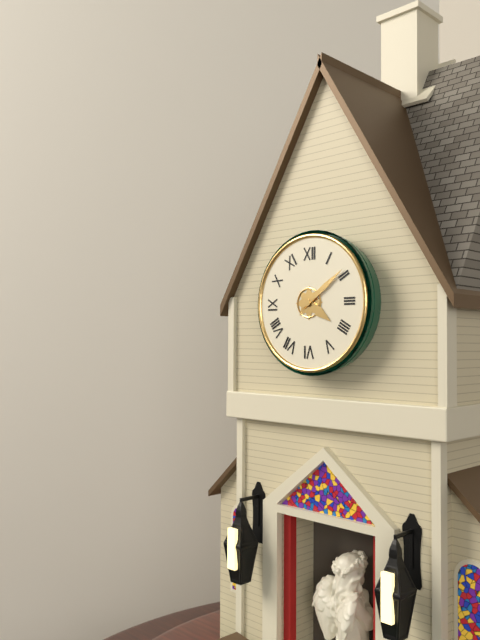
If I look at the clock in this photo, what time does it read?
4:09
